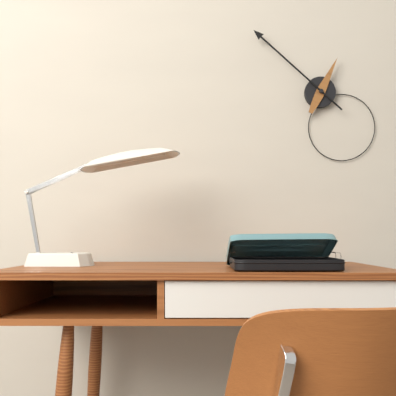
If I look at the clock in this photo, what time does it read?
12:52
